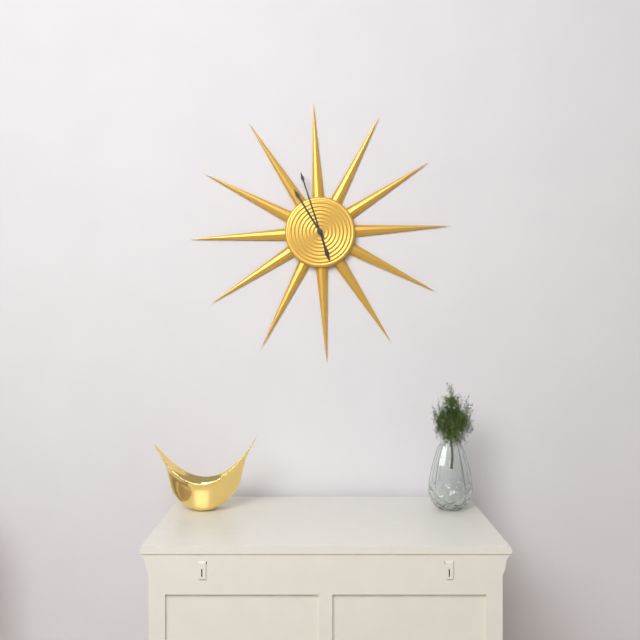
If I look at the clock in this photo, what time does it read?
10:57
